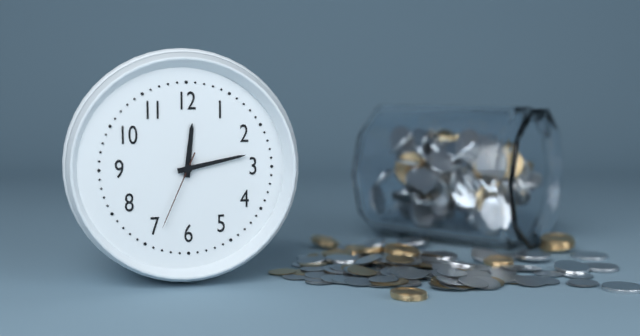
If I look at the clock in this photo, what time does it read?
12:13:34
